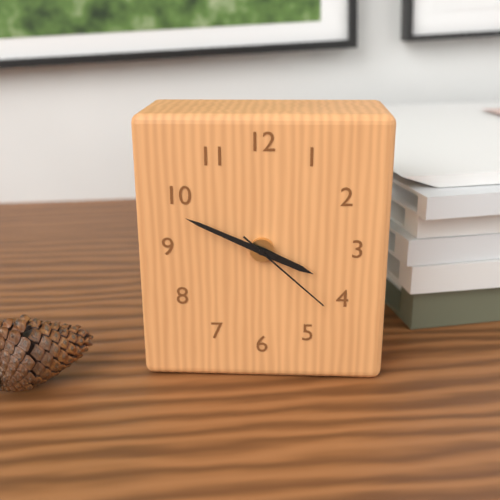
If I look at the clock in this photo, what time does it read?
3:49:22
